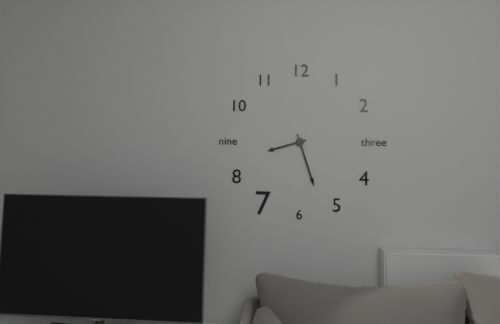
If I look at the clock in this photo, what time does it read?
8:27
